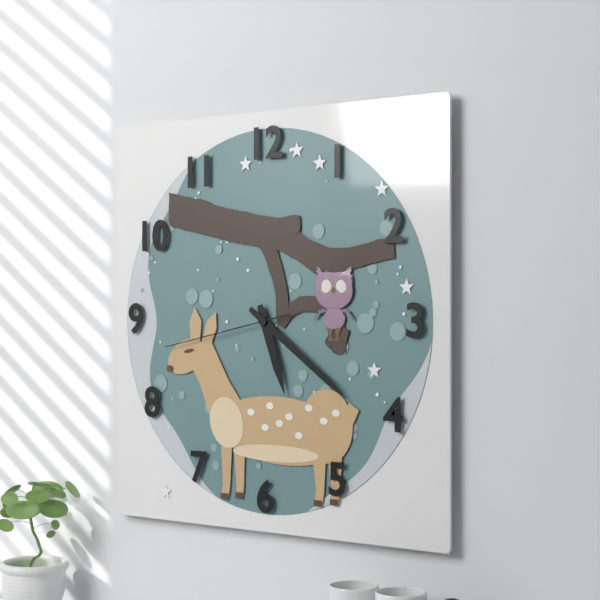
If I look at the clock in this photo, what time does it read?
5:21:43
